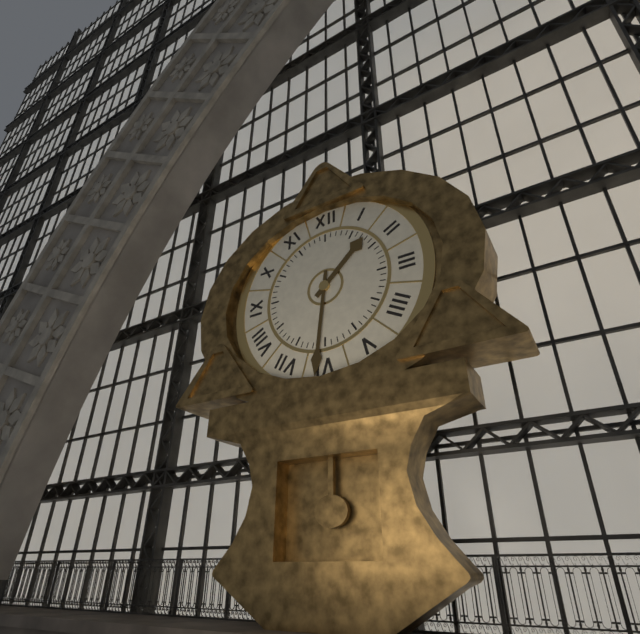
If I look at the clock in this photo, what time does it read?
1:31
